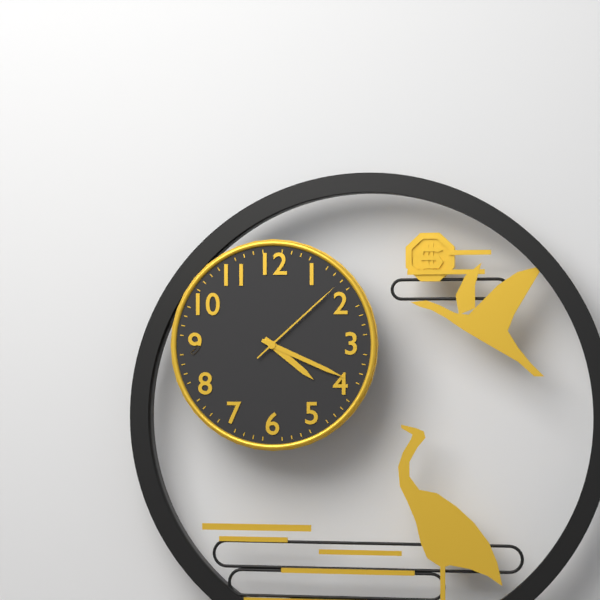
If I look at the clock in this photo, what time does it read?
4:19:08
